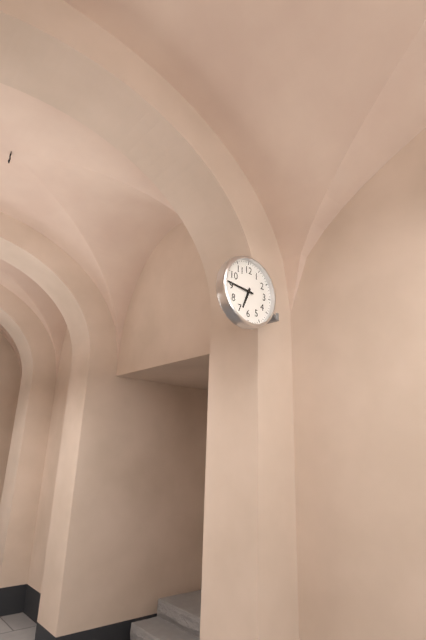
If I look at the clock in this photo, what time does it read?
6:46
